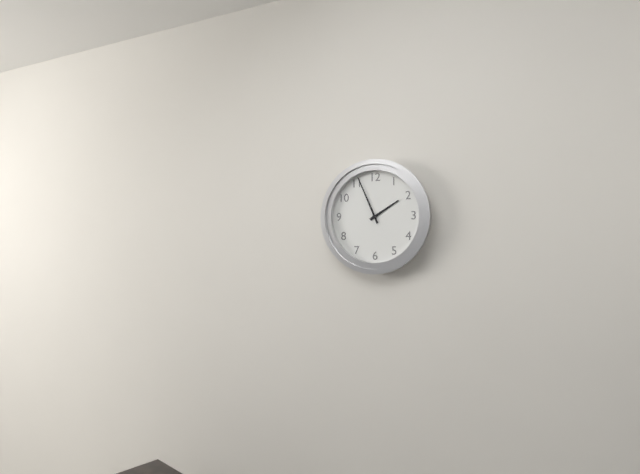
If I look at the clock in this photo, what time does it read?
1:56
